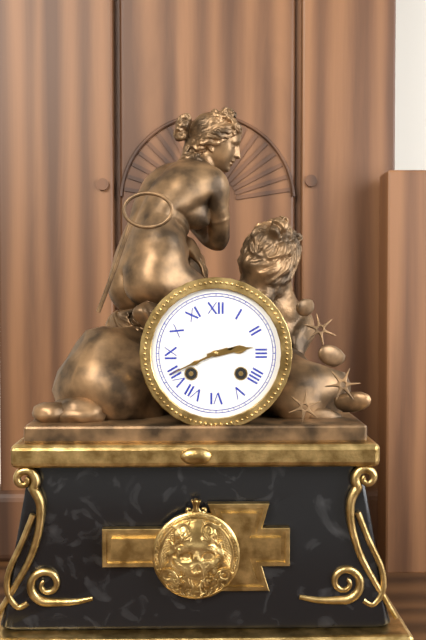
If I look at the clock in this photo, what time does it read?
2:41
